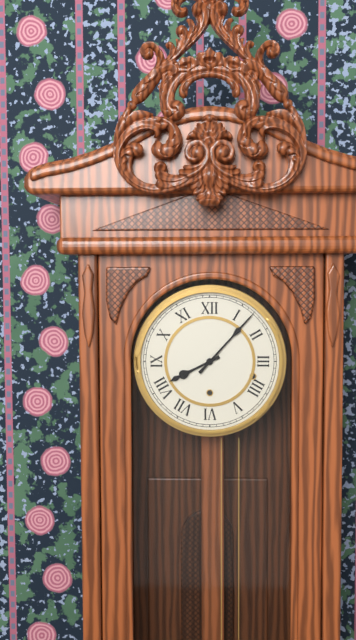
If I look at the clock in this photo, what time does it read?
8:07
